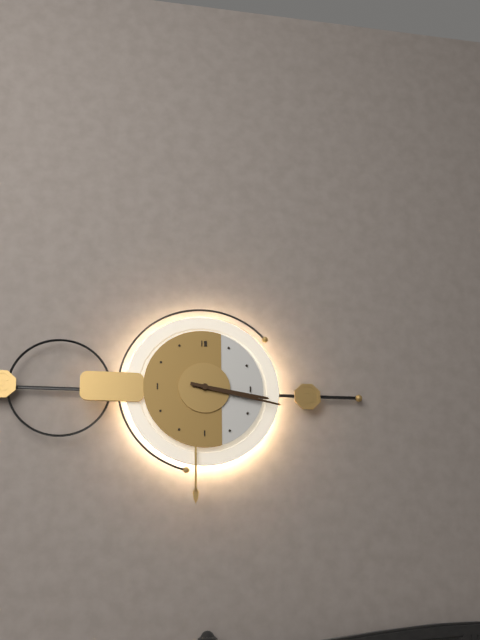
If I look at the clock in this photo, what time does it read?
3:17
